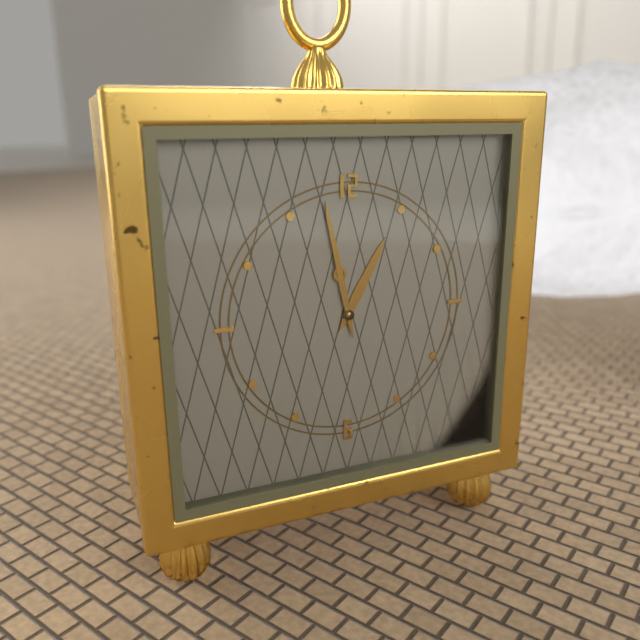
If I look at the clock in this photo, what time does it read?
12:58
